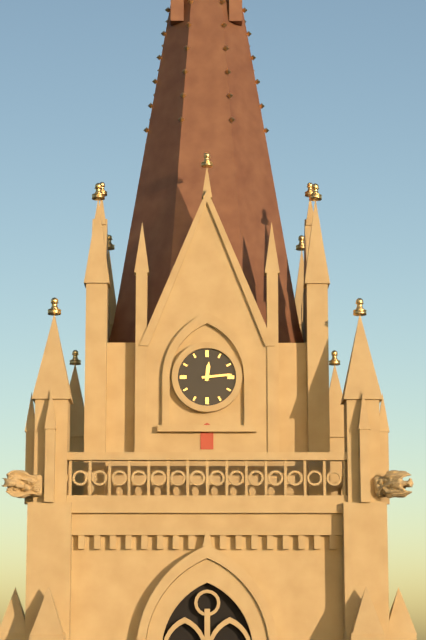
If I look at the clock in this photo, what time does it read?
12:14
